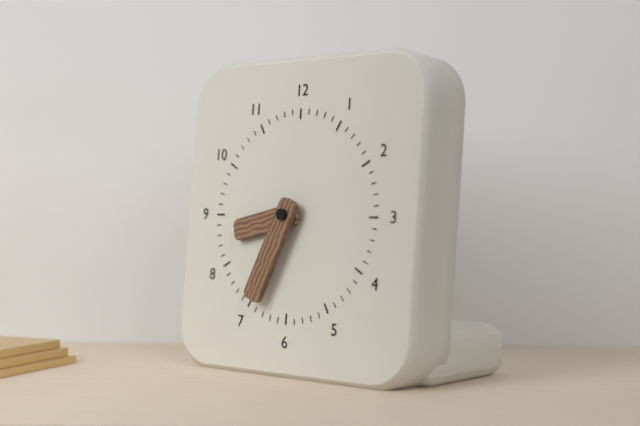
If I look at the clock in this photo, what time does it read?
8:34
